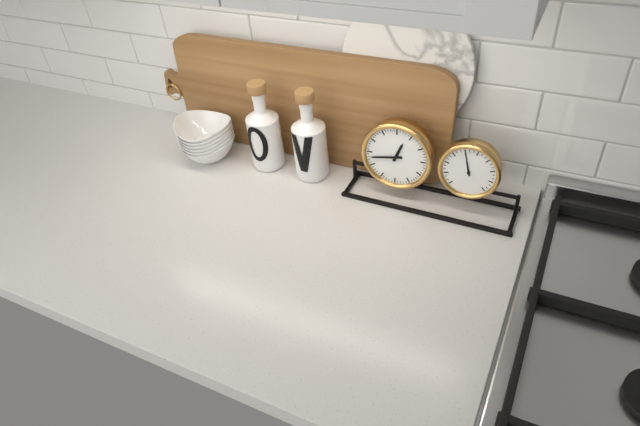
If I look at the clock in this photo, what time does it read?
12:43
